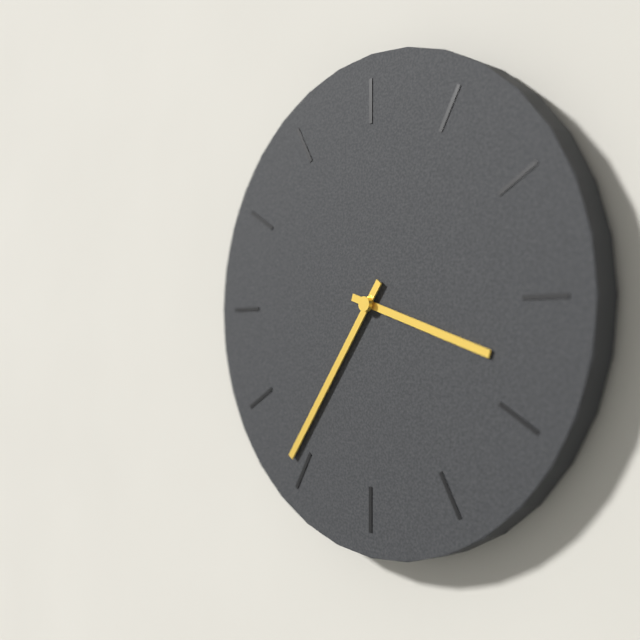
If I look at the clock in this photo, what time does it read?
3:36
